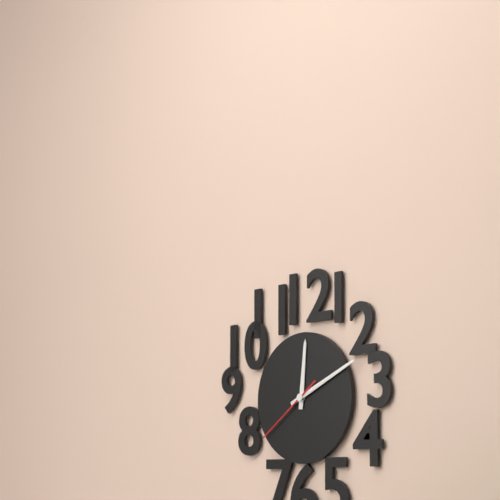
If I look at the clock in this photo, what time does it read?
12:11:39
